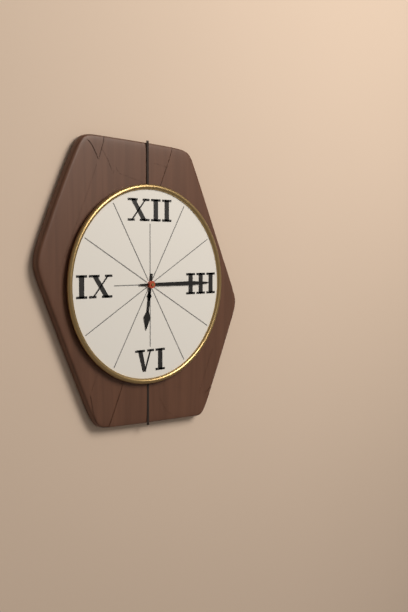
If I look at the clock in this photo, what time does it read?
6:15
